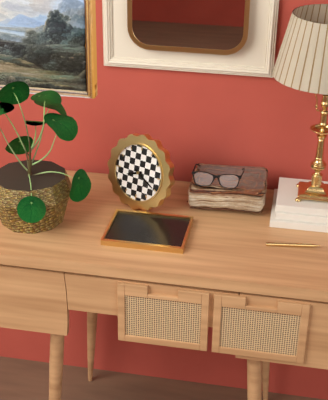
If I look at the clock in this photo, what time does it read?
8:20
